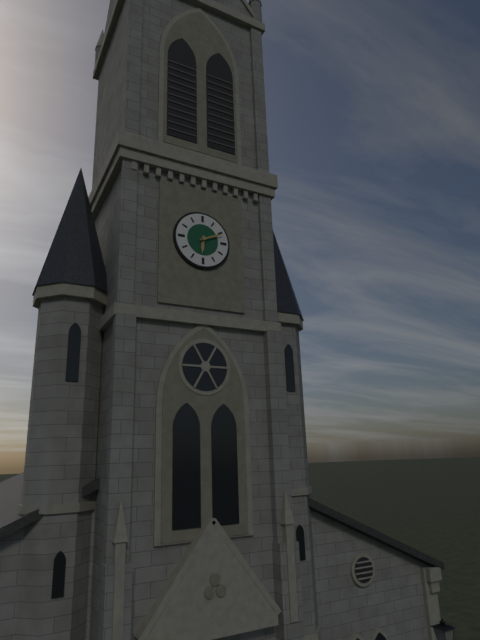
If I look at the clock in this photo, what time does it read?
6:11
